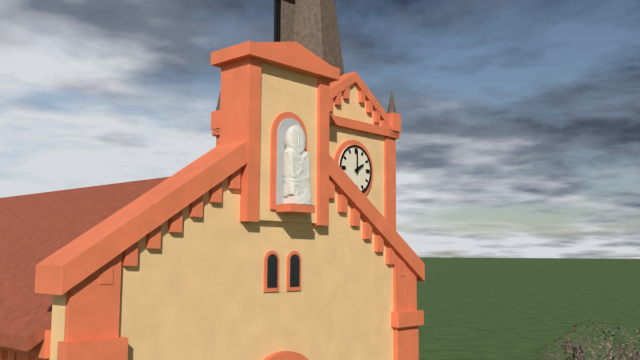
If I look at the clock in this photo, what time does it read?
2:00
